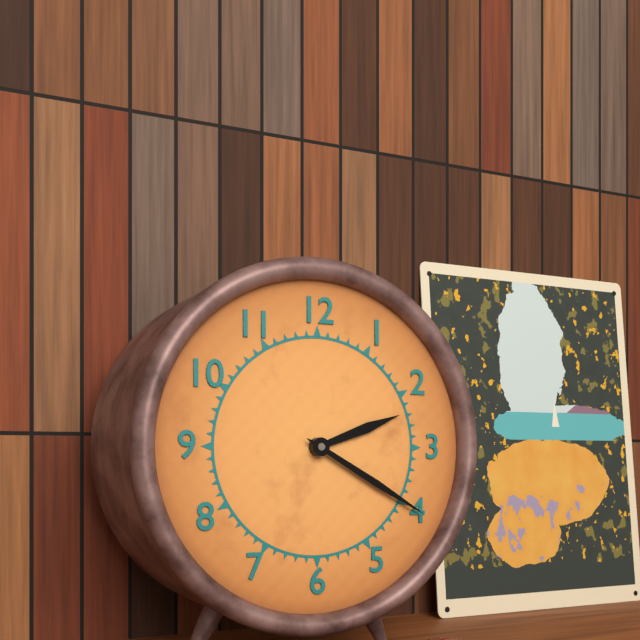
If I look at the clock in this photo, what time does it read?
2:20
